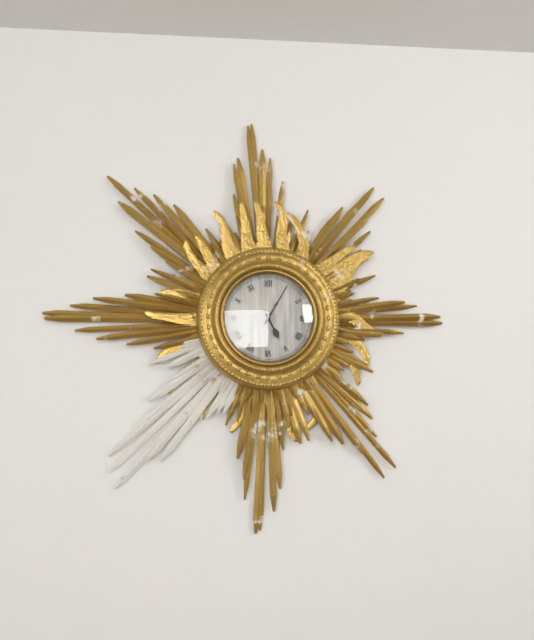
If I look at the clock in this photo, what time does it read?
5:05
